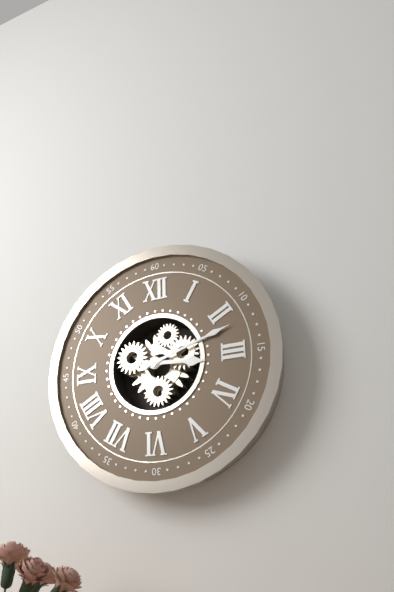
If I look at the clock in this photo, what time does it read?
3:12
